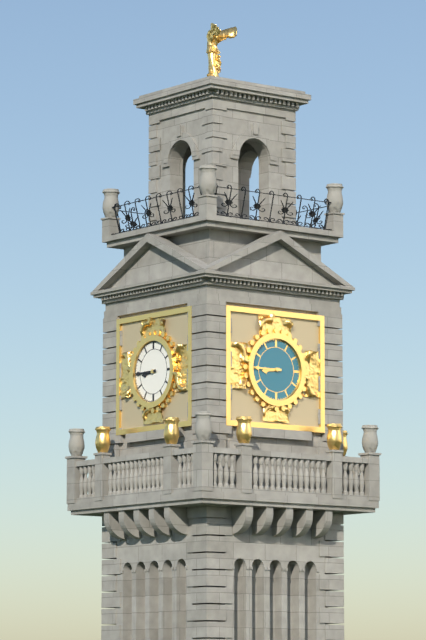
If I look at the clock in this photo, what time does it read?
8:45
